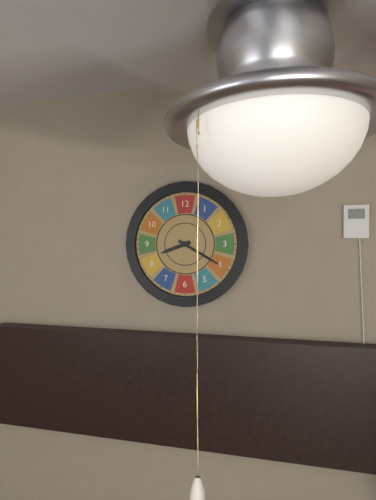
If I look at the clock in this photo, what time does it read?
8:20
